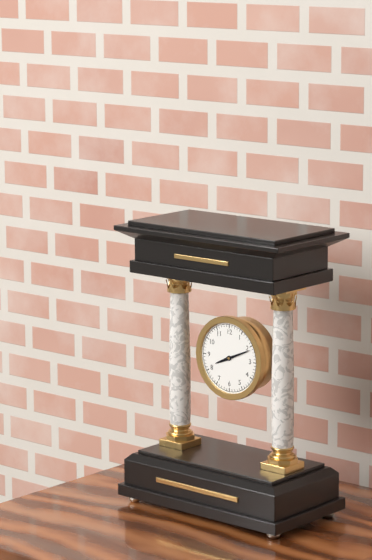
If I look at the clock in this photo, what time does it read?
8:11
